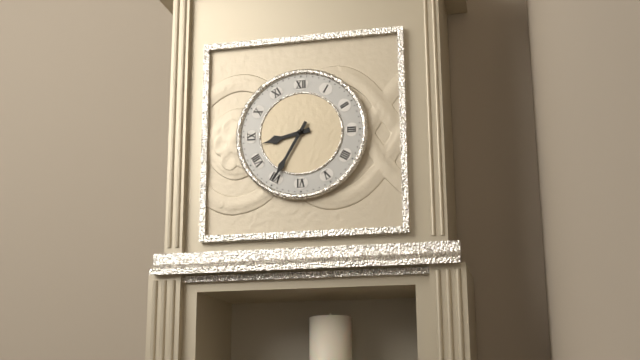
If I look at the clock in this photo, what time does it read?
8:35
